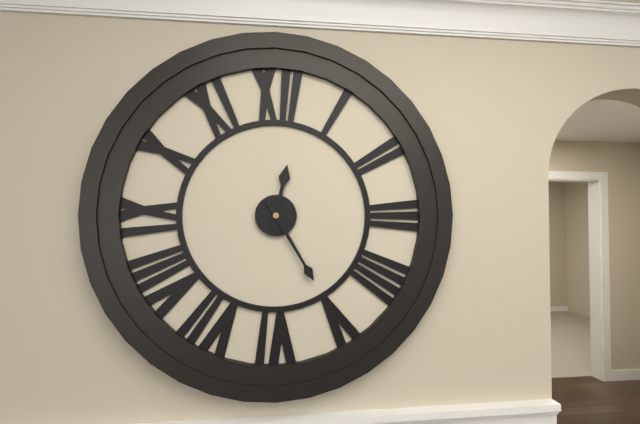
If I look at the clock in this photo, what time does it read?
12:25
